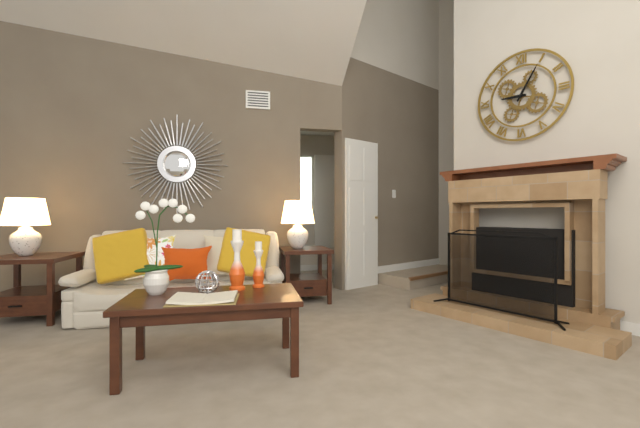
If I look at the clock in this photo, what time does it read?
9:05
